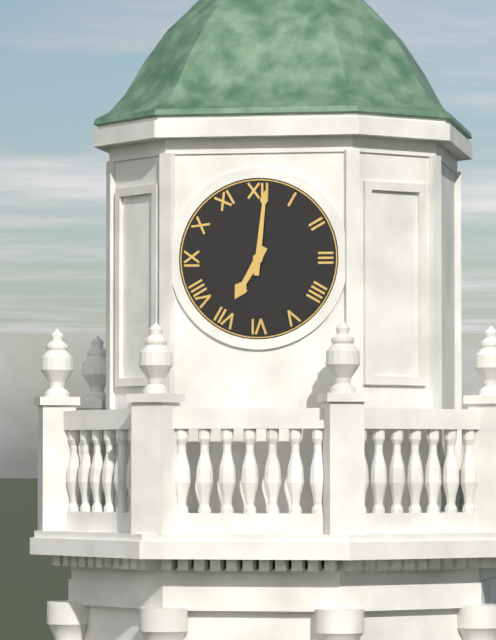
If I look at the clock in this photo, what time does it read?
7:01
